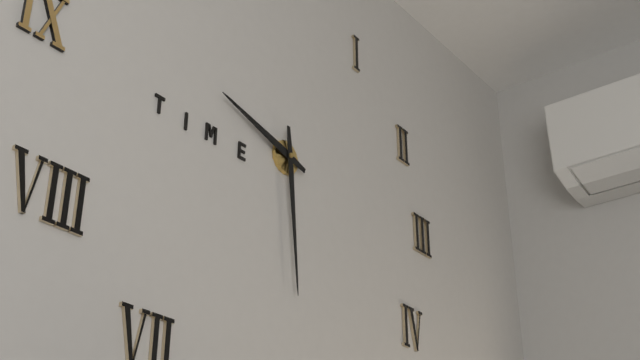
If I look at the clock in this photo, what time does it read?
9:29
